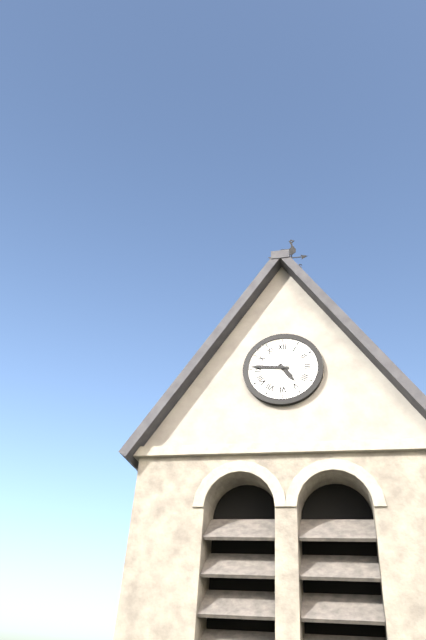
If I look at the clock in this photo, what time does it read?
4:46
